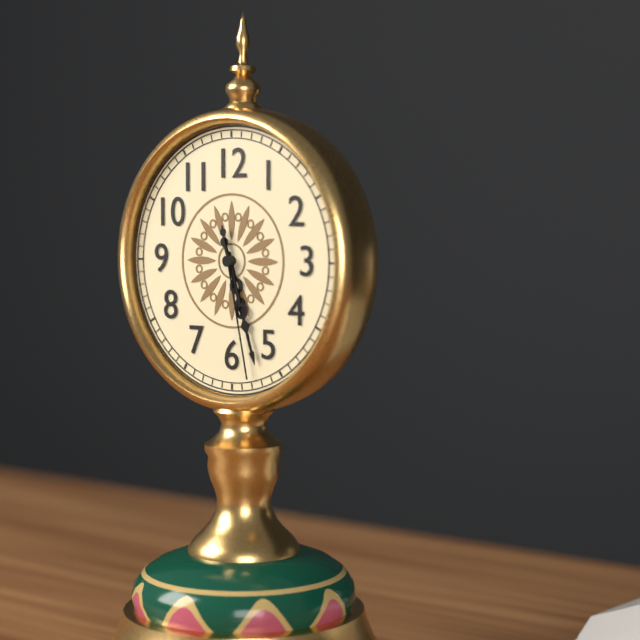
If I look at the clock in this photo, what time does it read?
5:27:28
